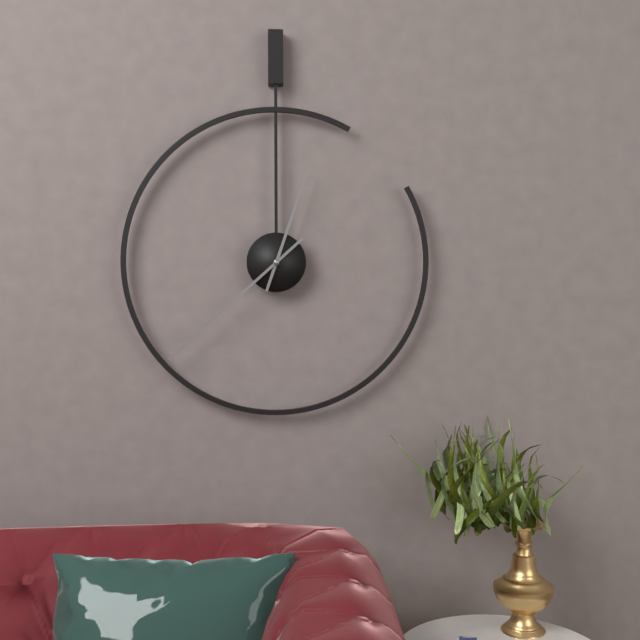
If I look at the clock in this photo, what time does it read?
12:38
